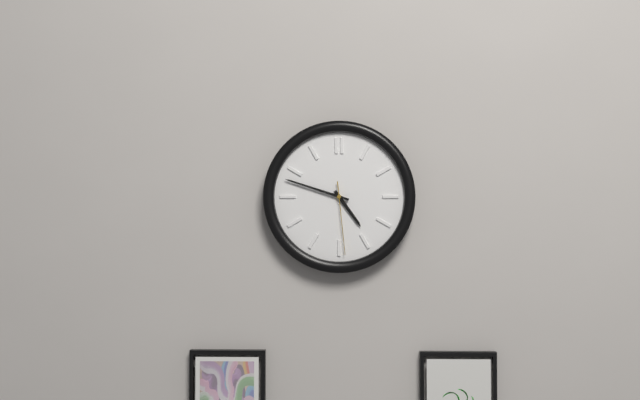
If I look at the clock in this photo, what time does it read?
4:48:29
